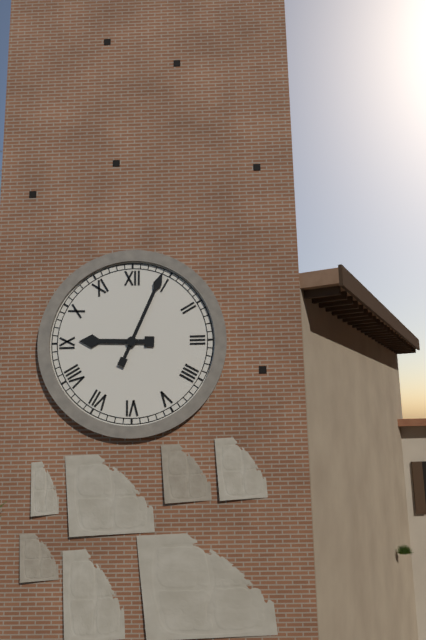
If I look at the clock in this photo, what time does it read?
9:04
